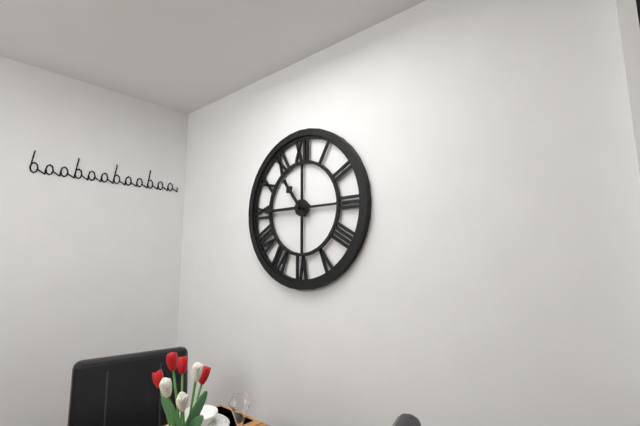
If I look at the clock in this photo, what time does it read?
10:45
